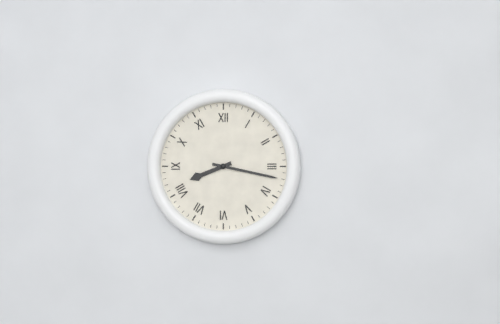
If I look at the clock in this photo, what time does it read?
8:17
